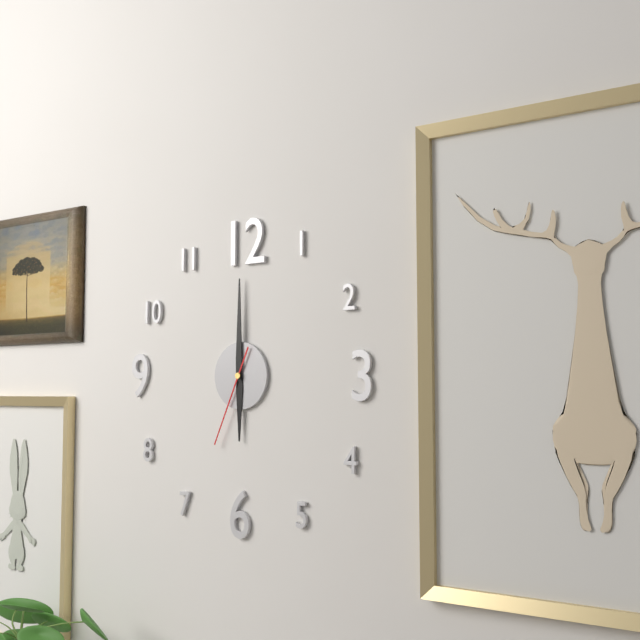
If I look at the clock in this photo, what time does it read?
6:00:34
